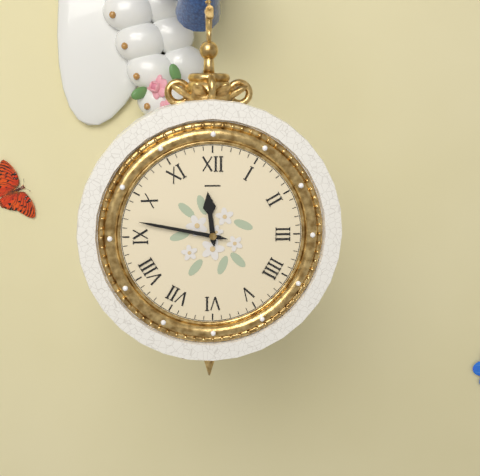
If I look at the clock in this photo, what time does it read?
11:47
